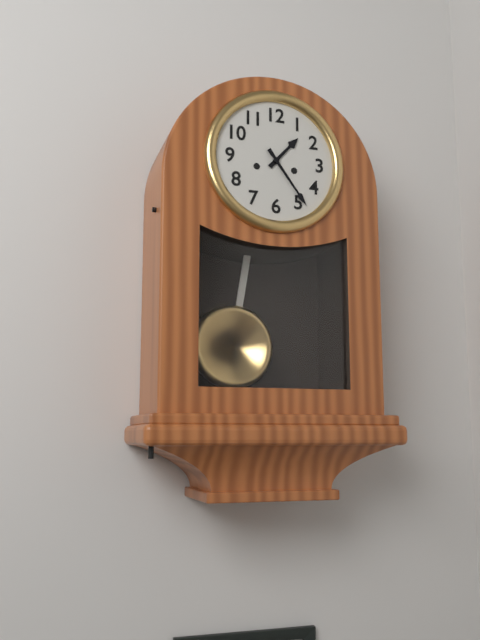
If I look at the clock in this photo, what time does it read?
1:24
